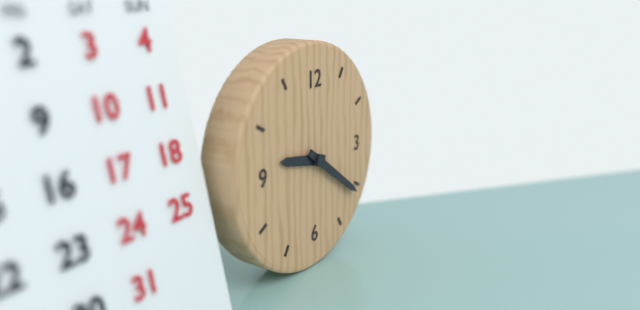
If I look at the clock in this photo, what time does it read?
9:21
